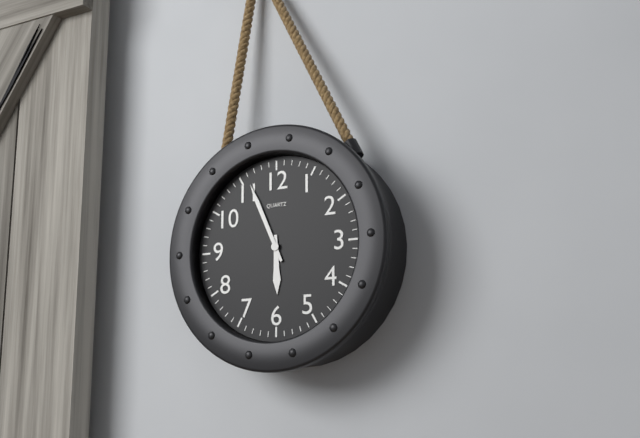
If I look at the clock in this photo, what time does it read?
5:56
